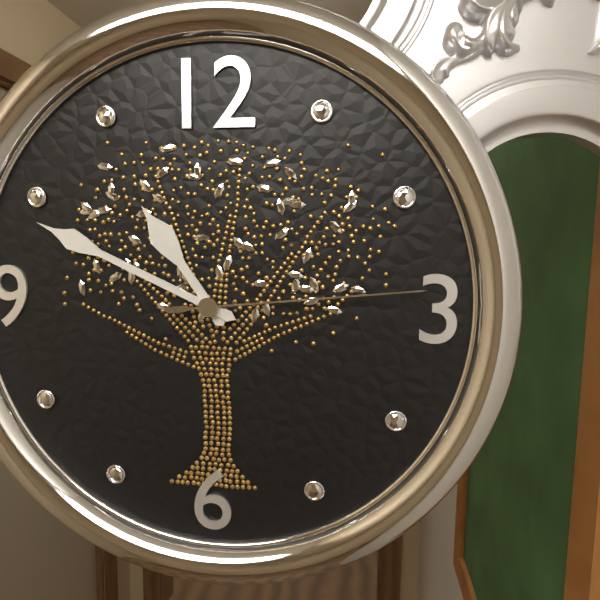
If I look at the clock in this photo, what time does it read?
10:49:14
